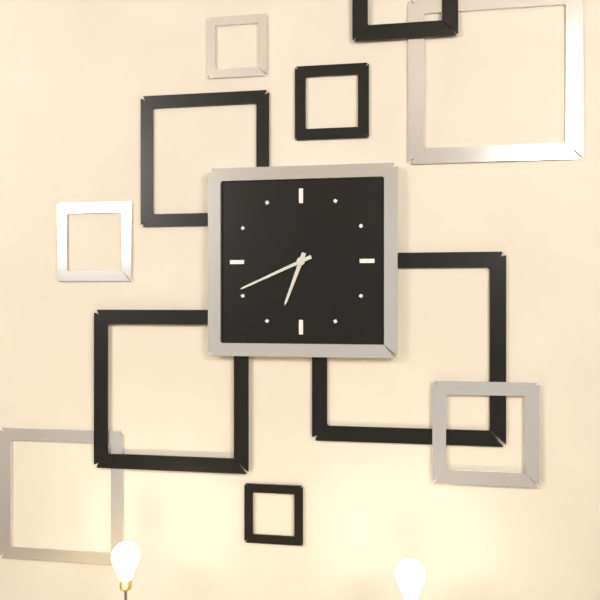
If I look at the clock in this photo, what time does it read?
6:41
